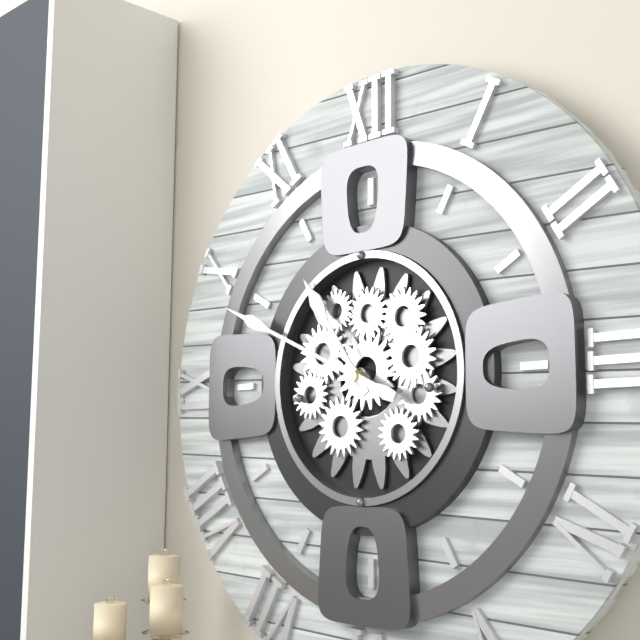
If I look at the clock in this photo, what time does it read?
10:49
